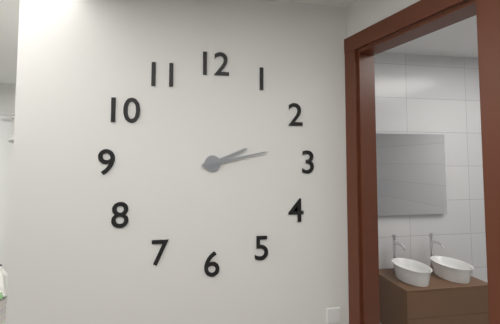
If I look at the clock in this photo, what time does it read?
2:13
